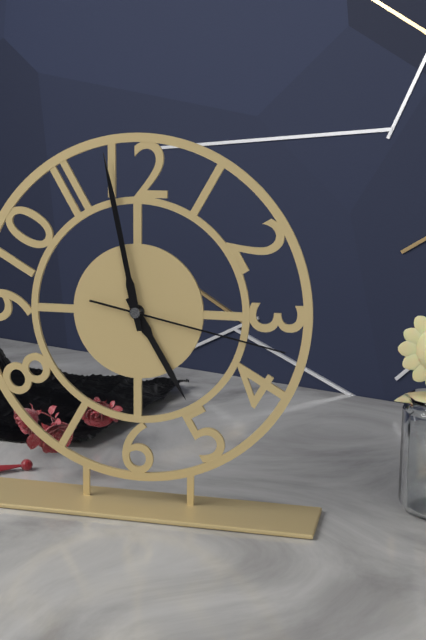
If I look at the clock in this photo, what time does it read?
4:58:17
